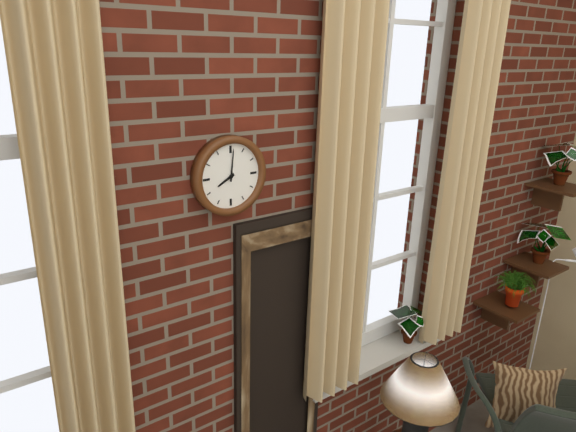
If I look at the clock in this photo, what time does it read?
8:01
